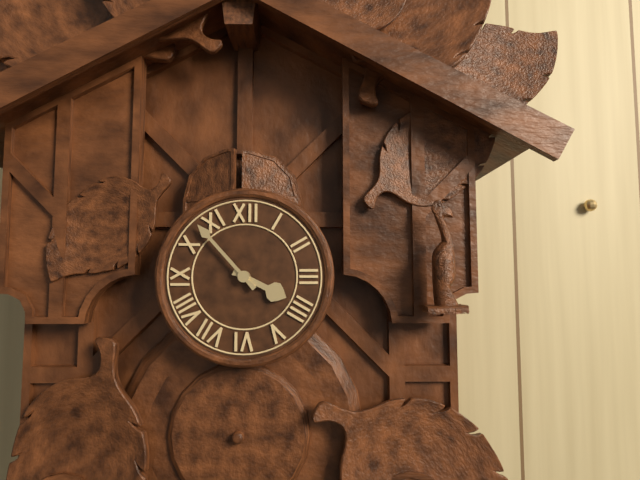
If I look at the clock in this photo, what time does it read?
3:53
